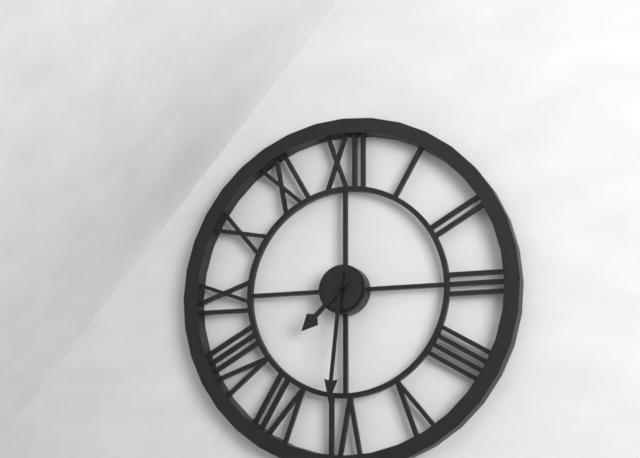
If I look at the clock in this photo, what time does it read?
7:31
